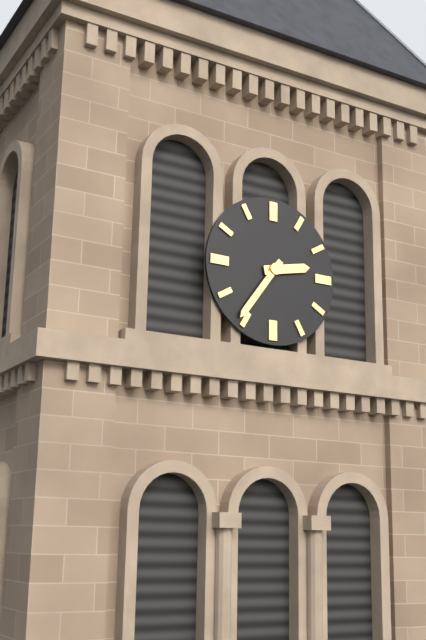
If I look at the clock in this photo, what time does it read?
2:36
